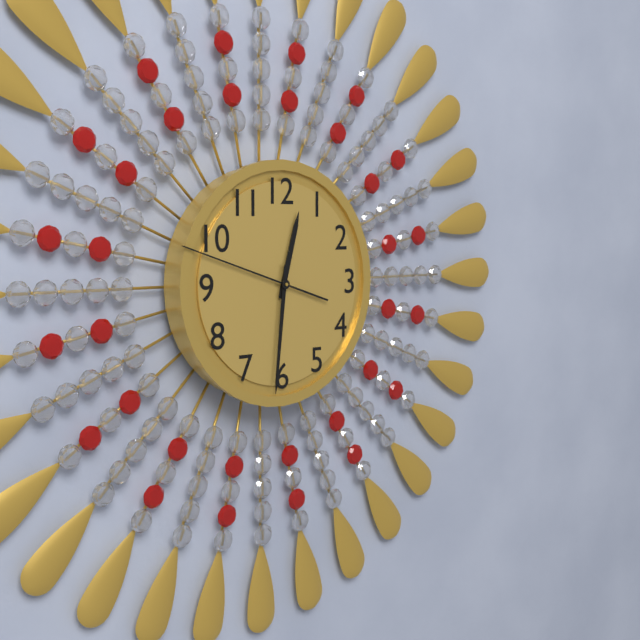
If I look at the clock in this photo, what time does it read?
12:31:48
